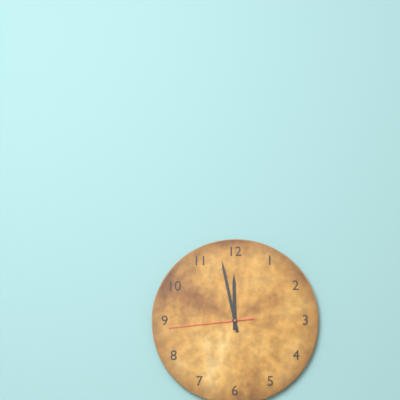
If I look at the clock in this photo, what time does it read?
11:58:44
